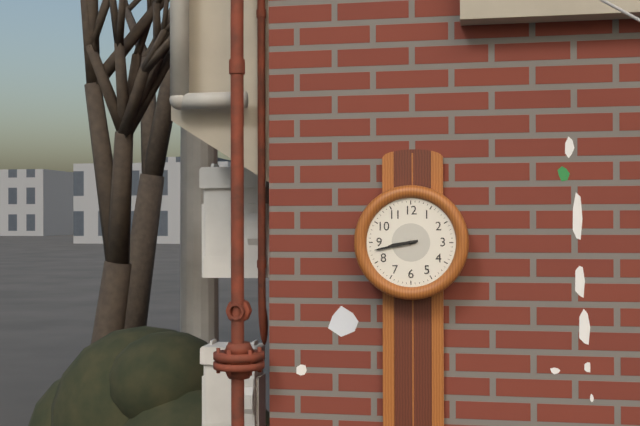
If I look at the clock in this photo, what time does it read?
8:43
